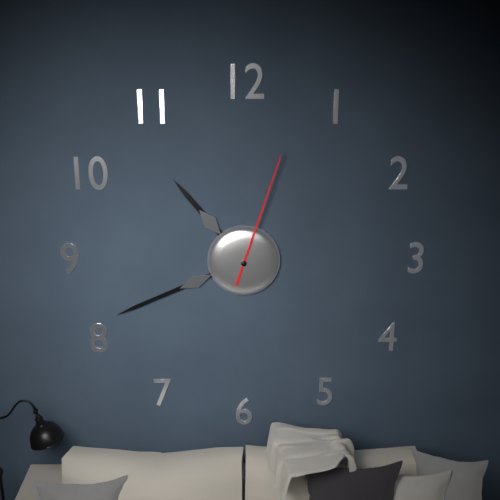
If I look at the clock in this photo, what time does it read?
10:41:03
